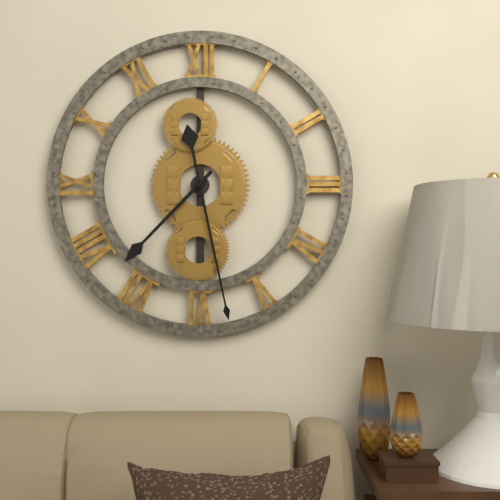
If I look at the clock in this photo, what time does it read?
7:28
